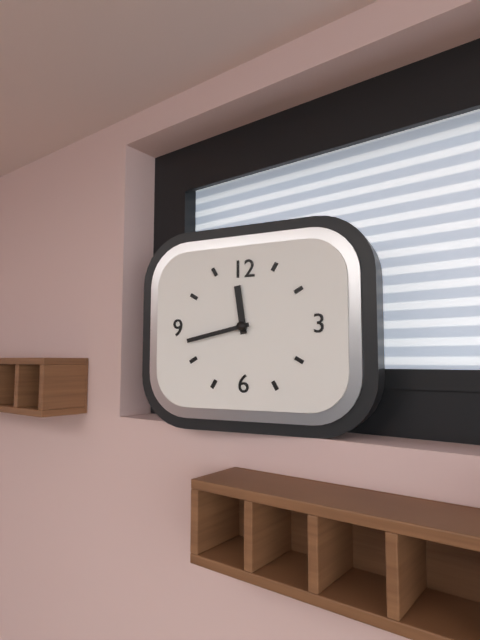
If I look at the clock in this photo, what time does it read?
11:43
